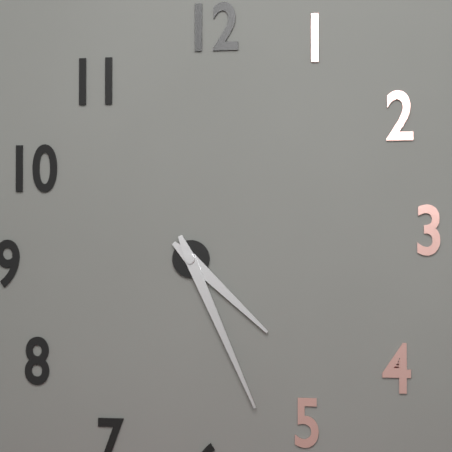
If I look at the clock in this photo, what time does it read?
4:26
